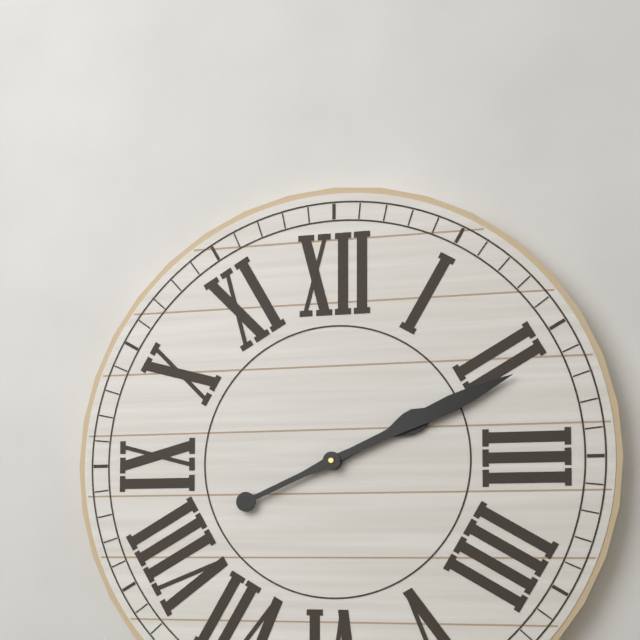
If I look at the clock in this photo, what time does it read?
2:11
